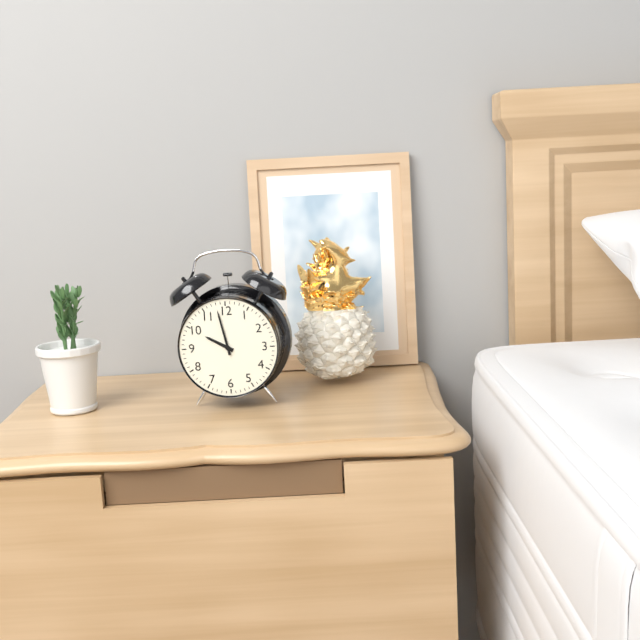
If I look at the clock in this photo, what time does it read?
9:58
